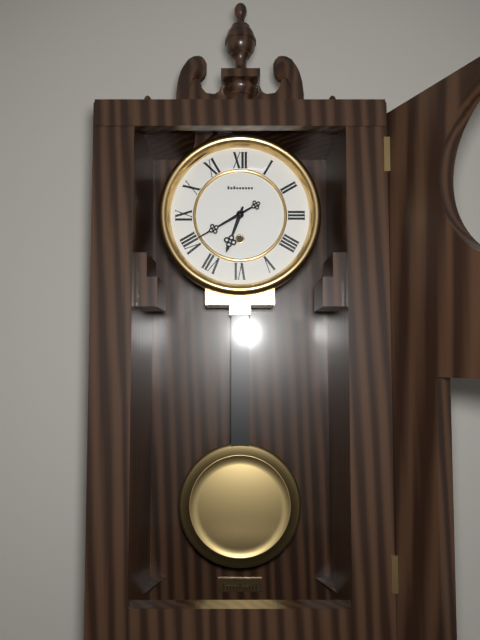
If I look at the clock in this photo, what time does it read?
6:40
